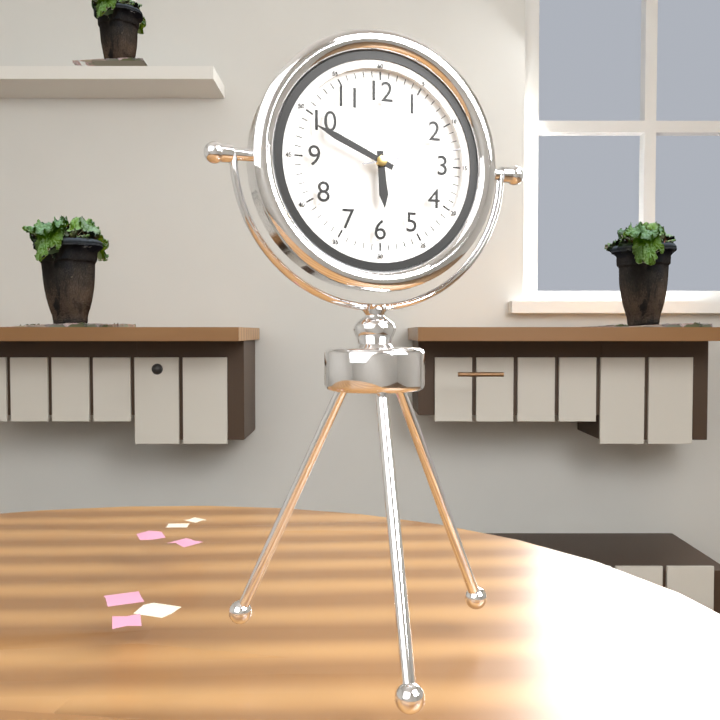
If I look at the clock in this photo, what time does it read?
5:49:13
